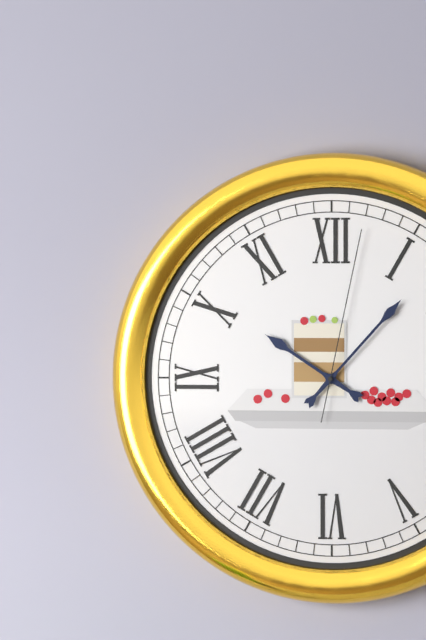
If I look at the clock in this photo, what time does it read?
10:07:02
